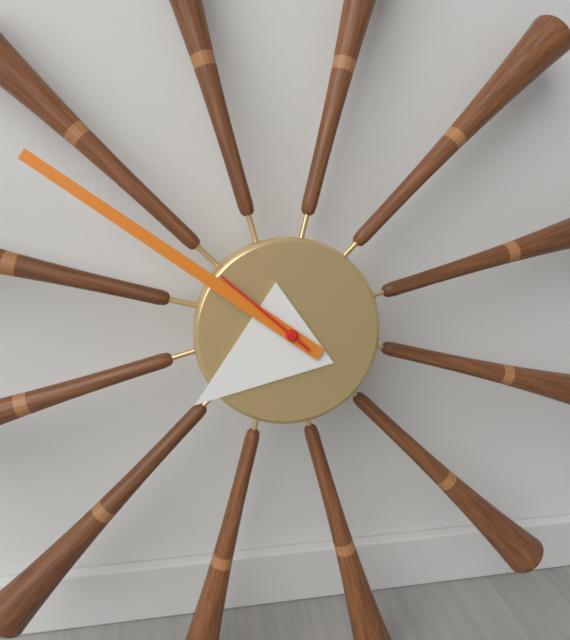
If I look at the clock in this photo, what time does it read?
7:51:52
